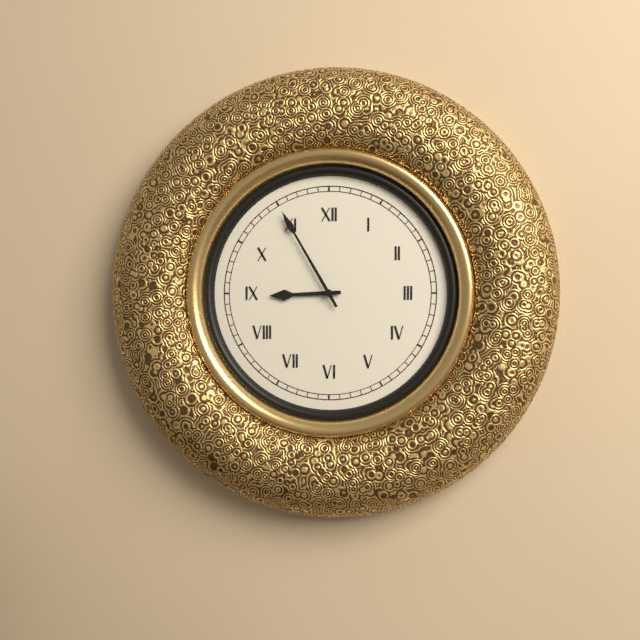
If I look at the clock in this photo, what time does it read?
8:55
